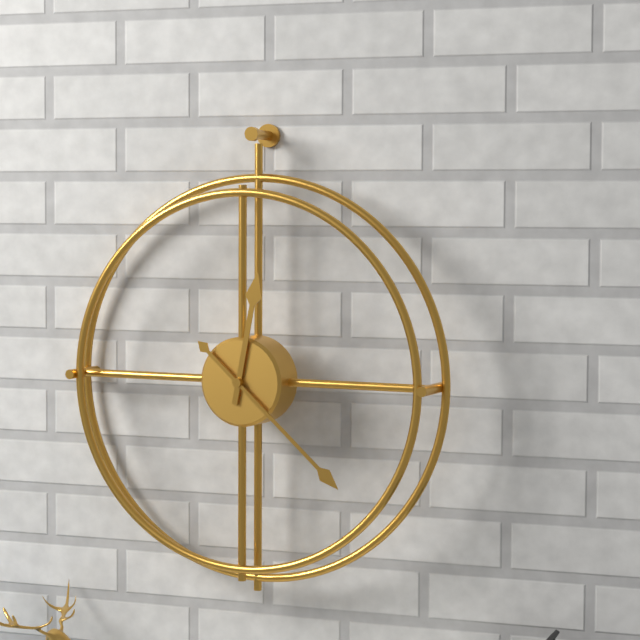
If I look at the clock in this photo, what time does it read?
12:22
